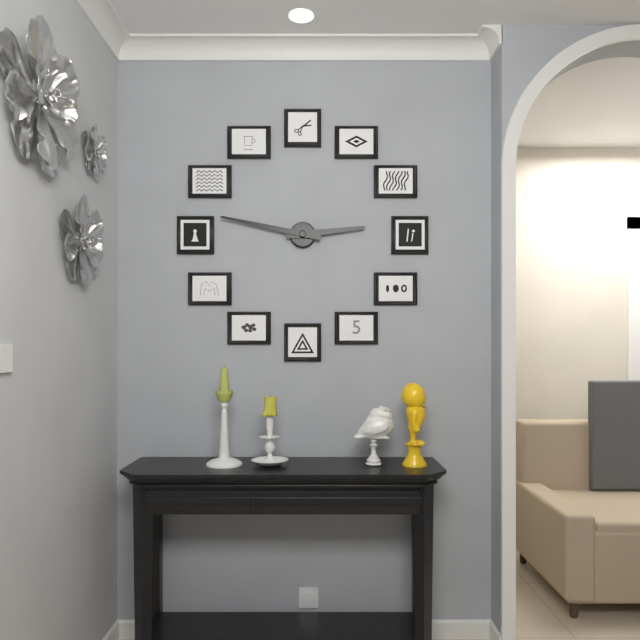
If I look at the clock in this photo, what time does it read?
2:47
